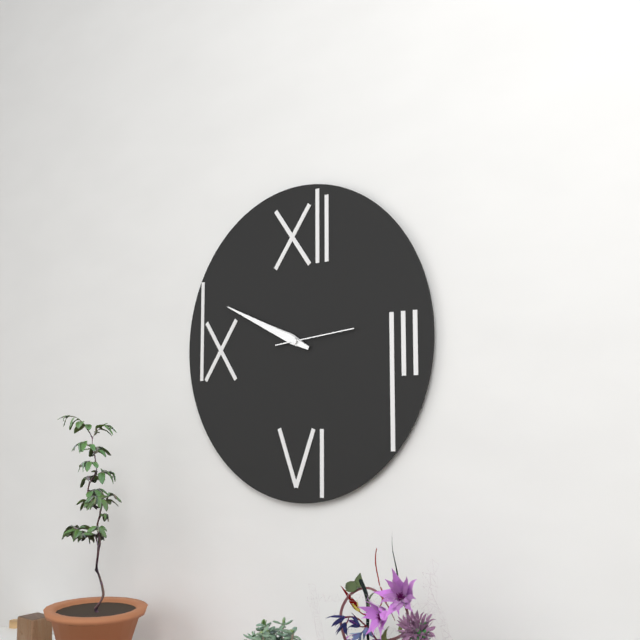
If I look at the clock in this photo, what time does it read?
9:49:14
